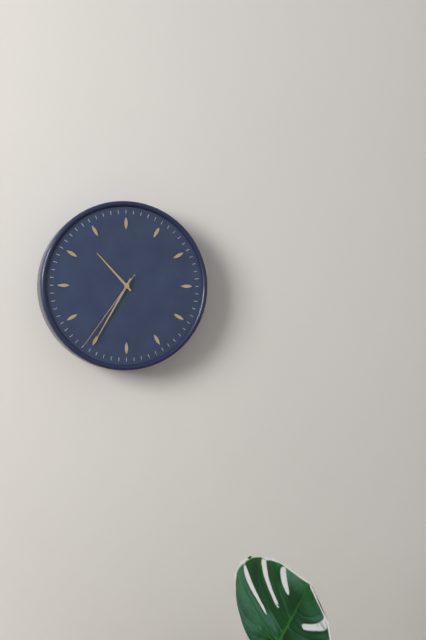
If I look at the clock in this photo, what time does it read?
10:35:36
